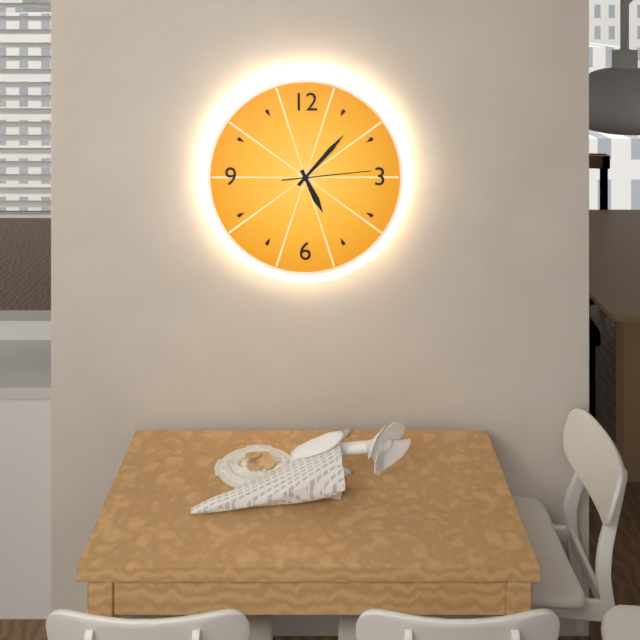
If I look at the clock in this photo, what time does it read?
5:07:14
